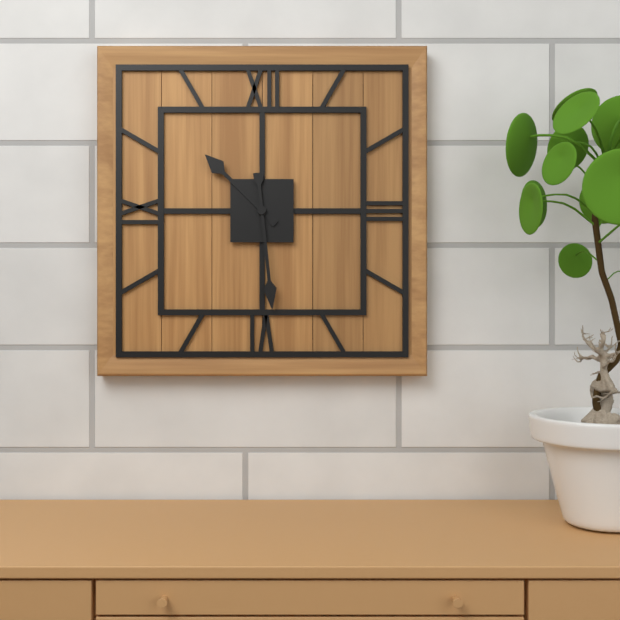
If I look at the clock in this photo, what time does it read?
10:29
